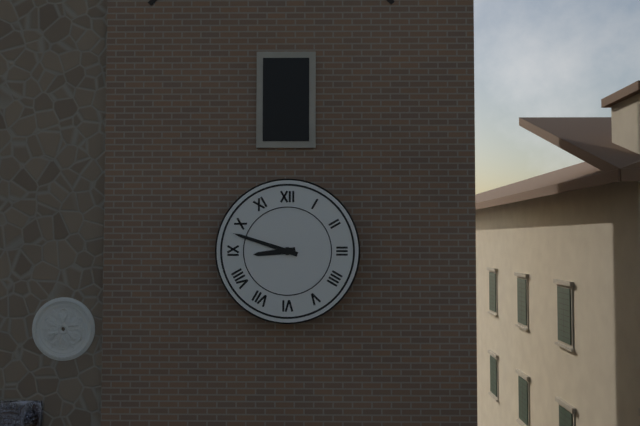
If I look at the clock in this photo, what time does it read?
8:48
